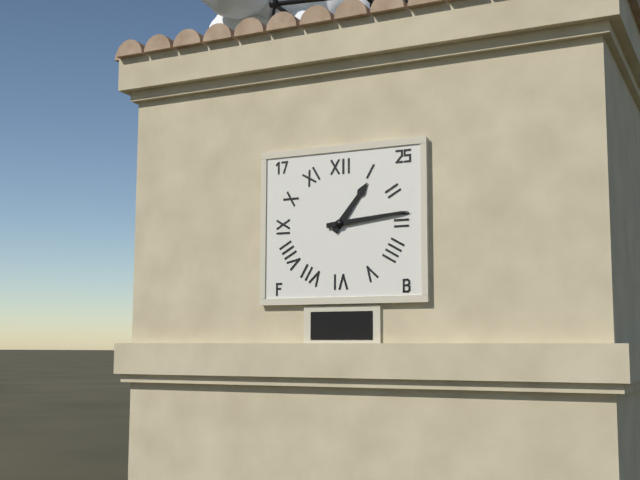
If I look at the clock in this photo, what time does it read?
1:14
